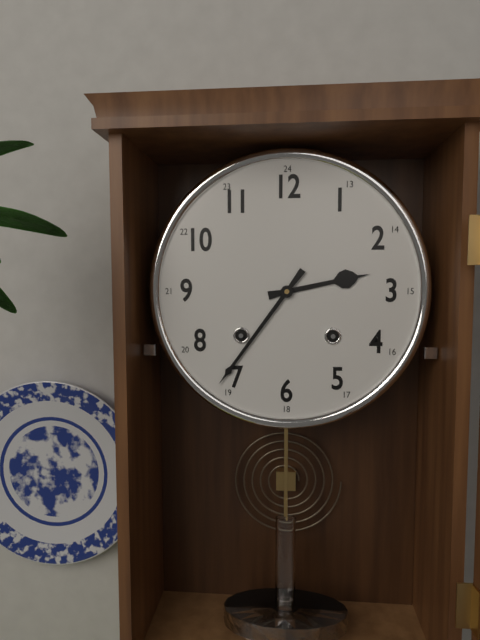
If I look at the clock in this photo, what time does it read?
2:36
